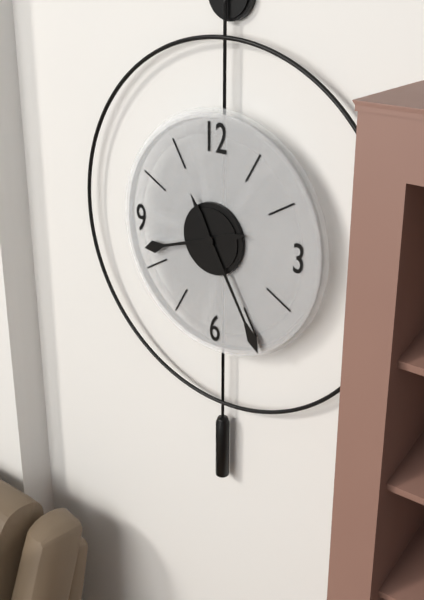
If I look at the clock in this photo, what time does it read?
8:25
